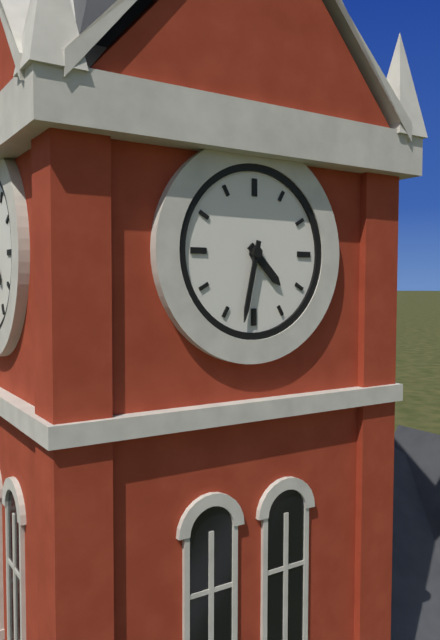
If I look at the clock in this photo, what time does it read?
4:32
